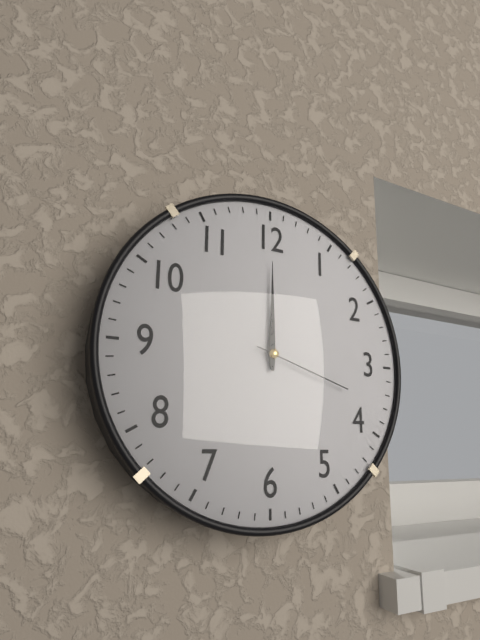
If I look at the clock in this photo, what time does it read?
12:00:18
